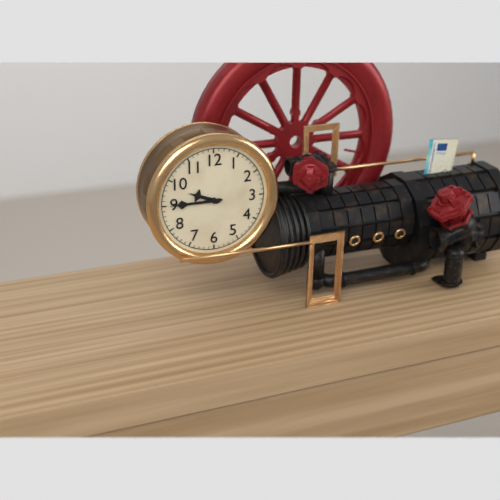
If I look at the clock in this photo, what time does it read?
9:45
